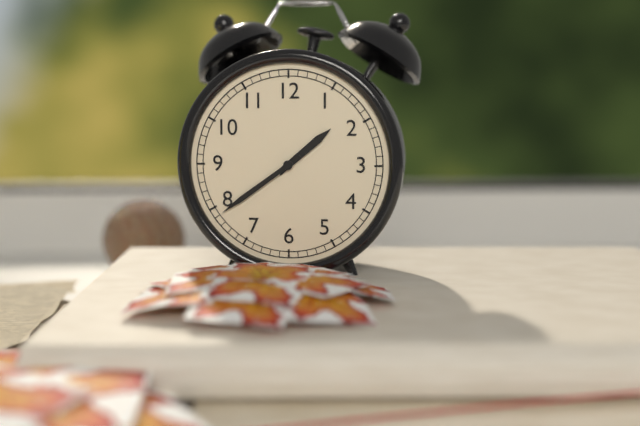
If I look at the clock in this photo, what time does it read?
1:39
